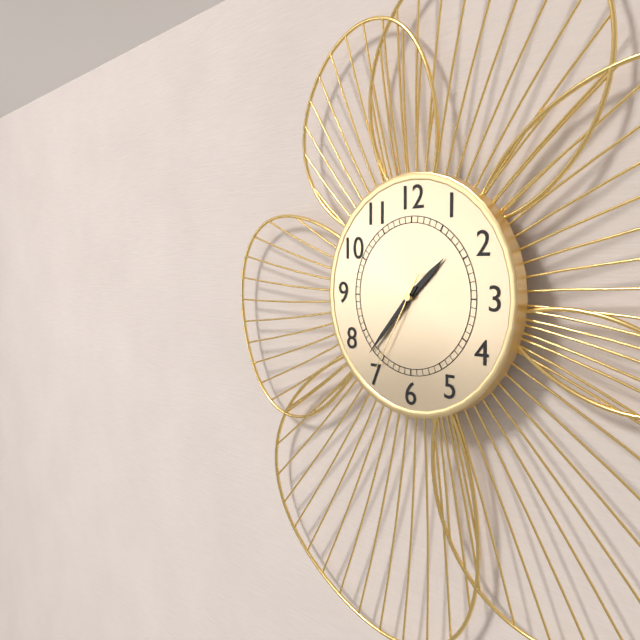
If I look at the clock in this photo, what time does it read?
1:37:35
